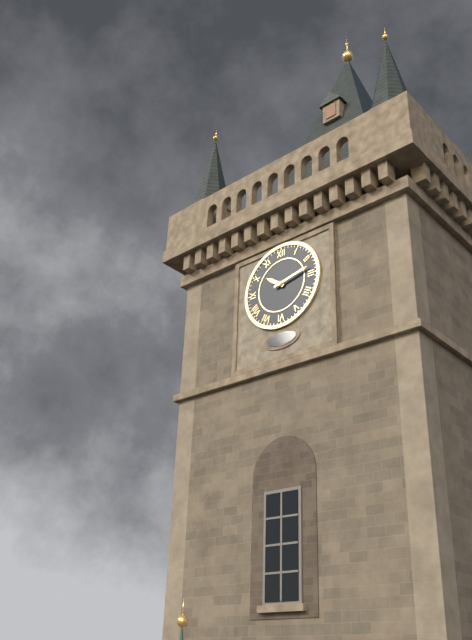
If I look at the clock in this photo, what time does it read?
10:13
